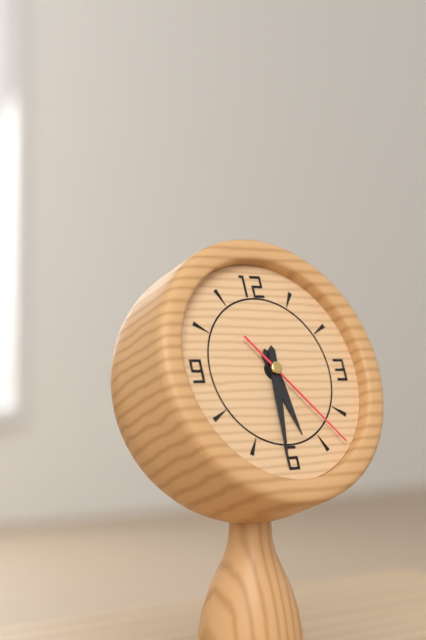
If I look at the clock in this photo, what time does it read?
5:31:23
